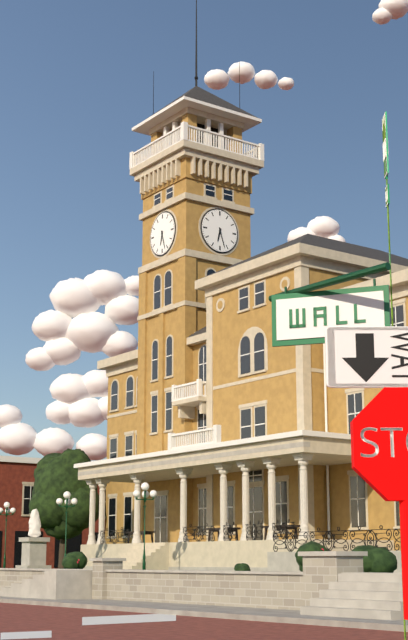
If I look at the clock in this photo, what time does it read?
6:27
